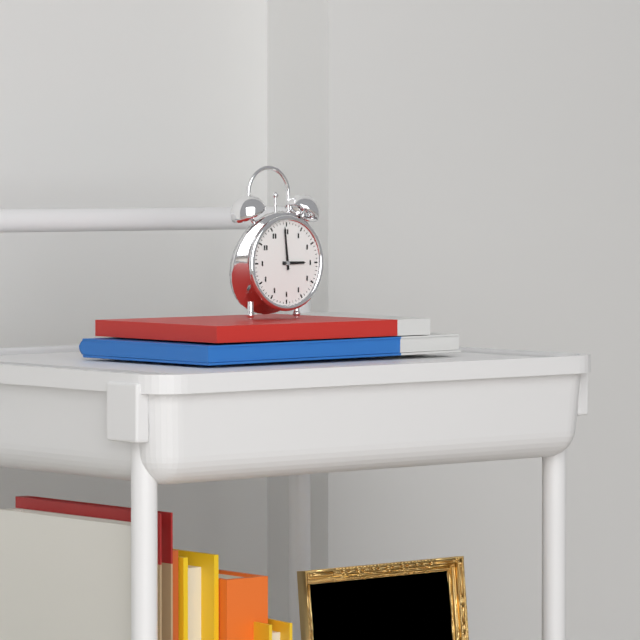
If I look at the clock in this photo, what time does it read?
2:59
